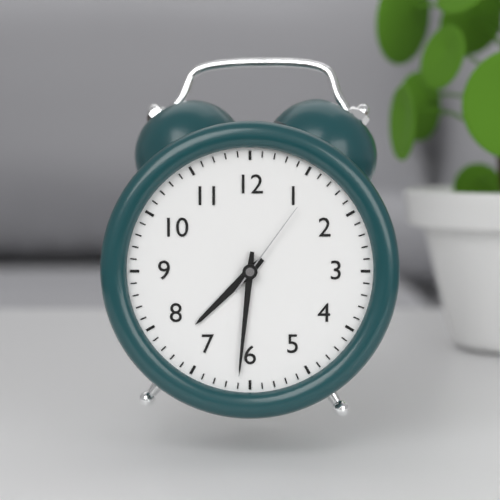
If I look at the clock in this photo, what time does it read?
7:31:06
